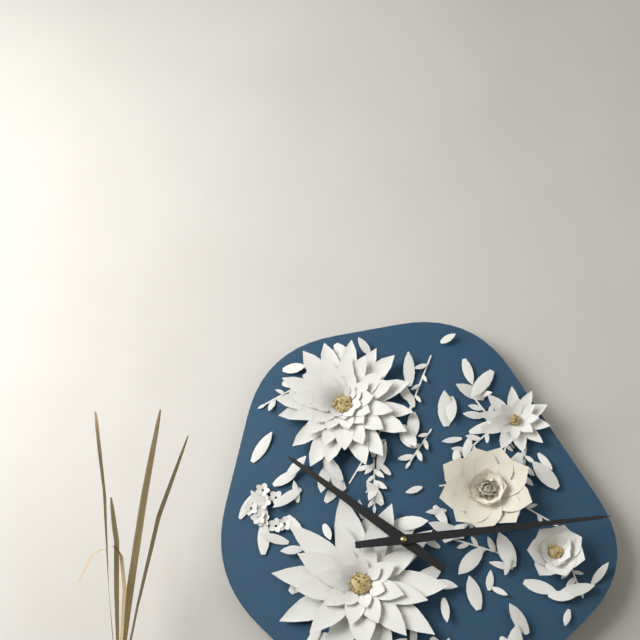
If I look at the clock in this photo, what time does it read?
10:14
